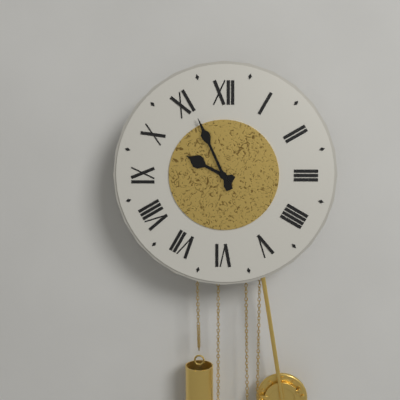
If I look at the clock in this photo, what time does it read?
9:56
